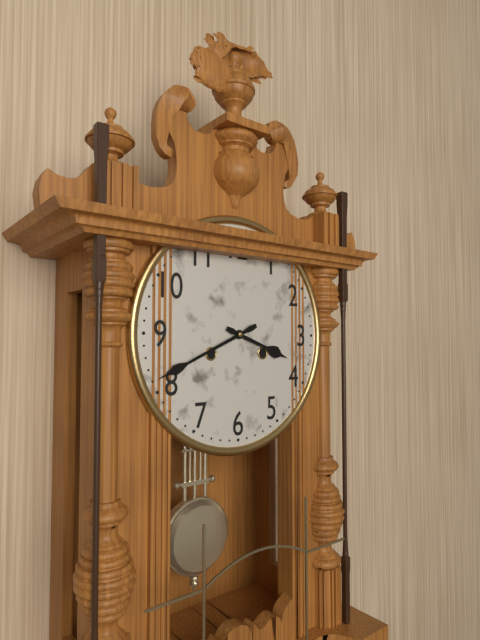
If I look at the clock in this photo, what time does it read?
3:41
